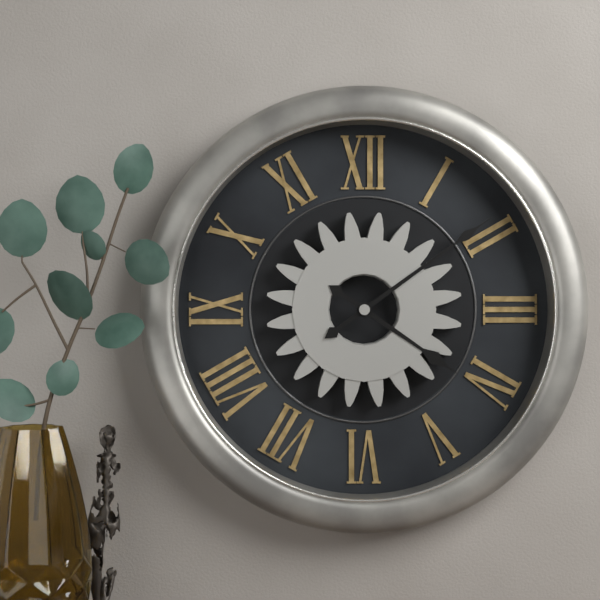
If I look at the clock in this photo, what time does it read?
4:09
